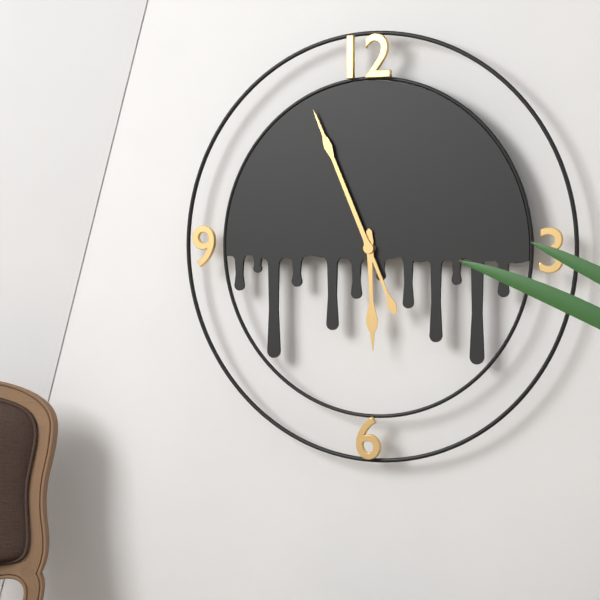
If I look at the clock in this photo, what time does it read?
5:56
